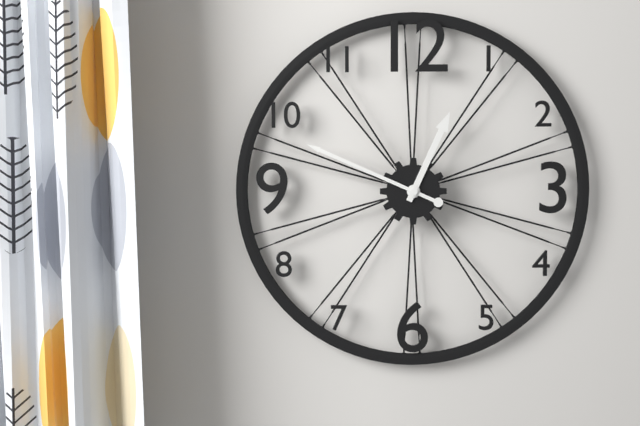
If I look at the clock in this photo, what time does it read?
12:49
